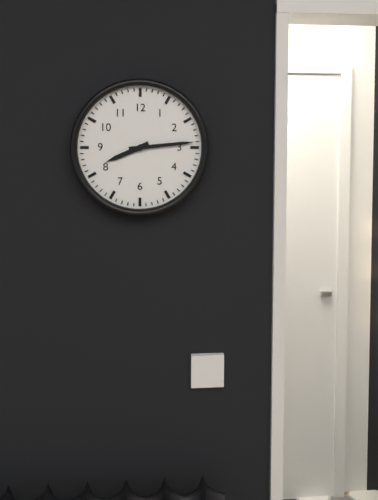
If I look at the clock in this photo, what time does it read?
8:14
